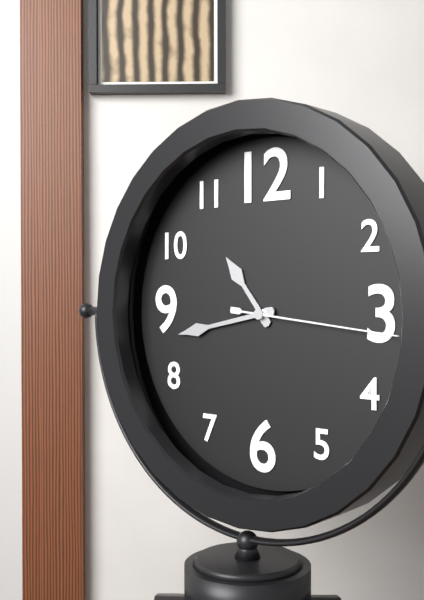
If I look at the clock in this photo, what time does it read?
10:43:16
